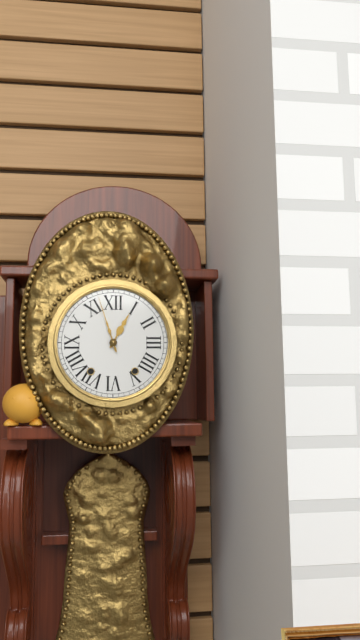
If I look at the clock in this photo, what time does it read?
12:57
